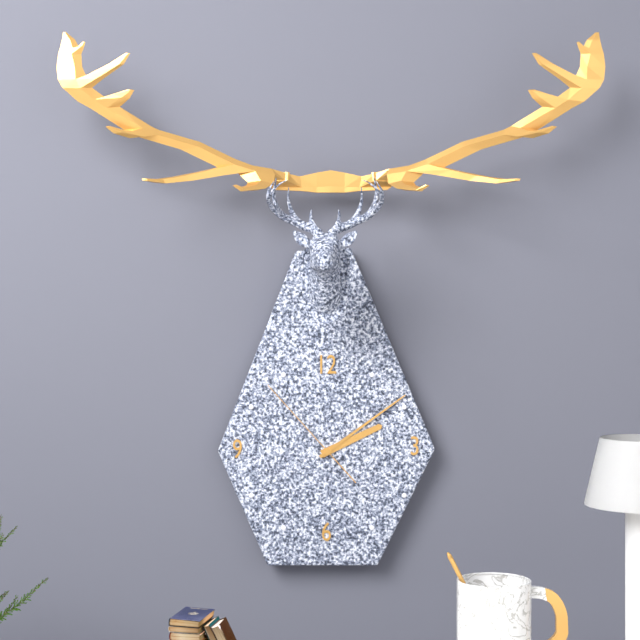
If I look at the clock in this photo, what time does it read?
2:09:53
